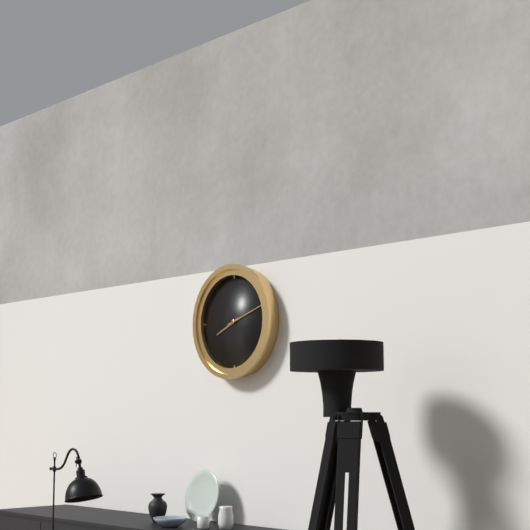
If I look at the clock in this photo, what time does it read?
8:12
